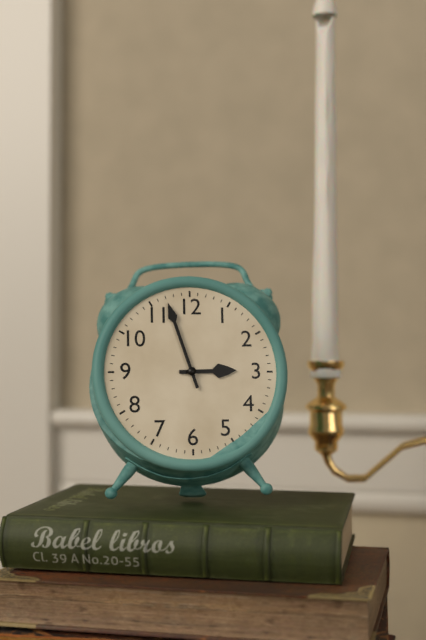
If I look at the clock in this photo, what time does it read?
2:57
